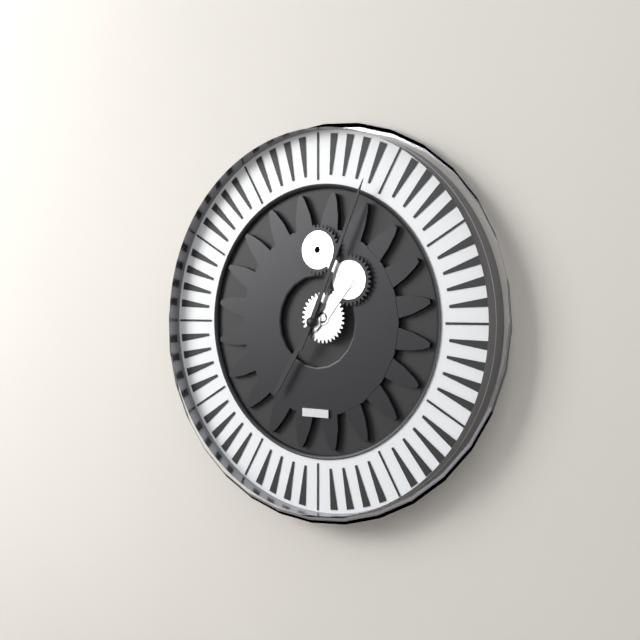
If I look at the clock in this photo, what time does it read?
7:04
